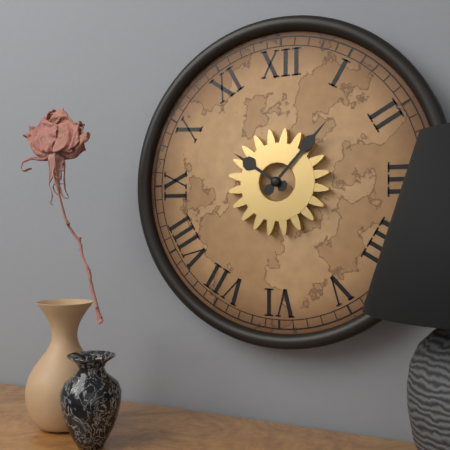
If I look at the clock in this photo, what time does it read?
10:07
